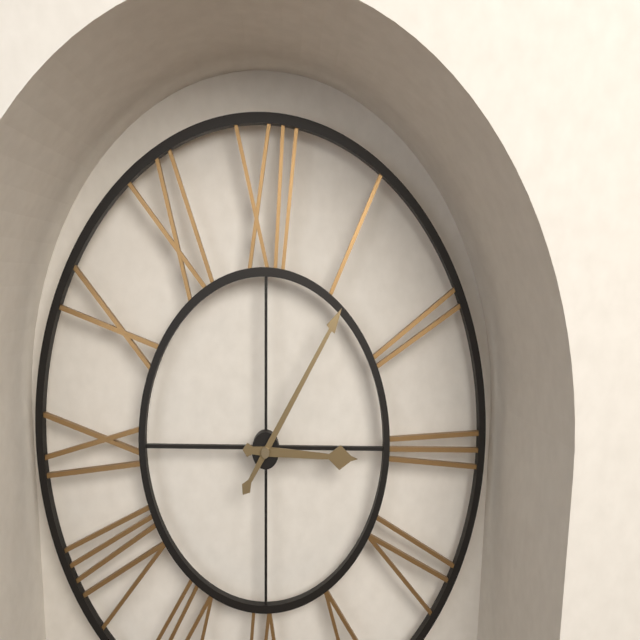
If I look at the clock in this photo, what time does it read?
3:06
